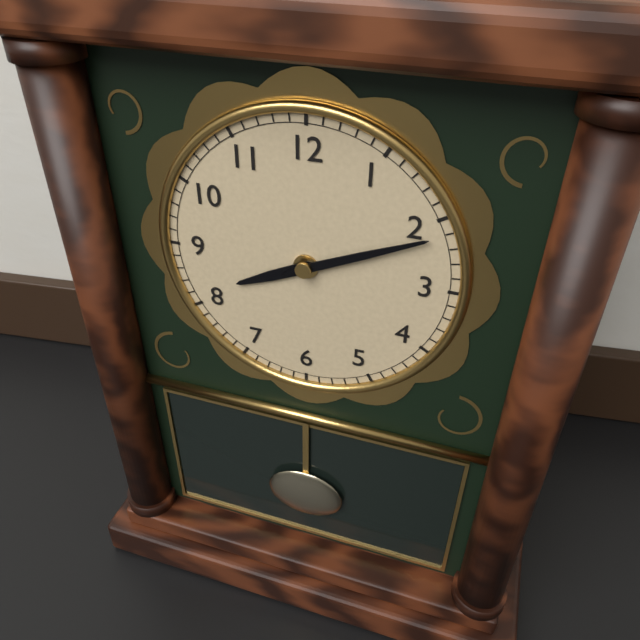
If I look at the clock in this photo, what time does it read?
8:11
